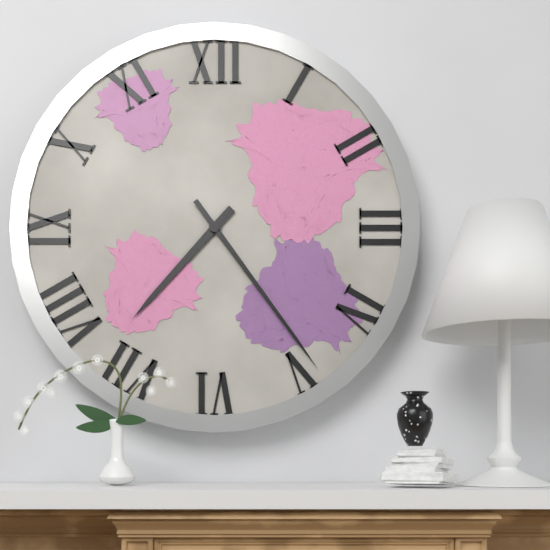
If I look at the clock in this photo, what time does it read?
7:24
